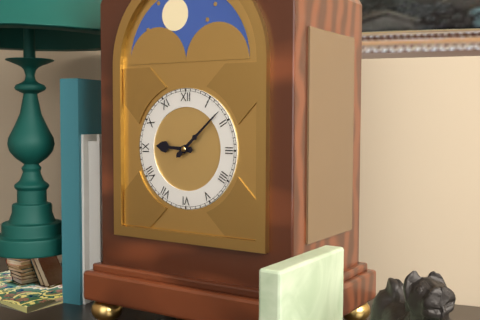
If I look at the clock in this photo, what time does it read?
9:08
